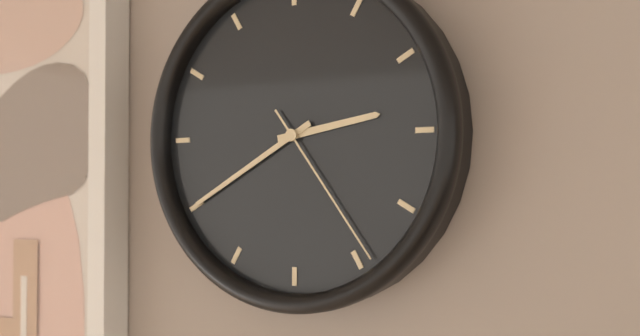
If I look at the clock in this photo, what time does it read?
2:40:24
